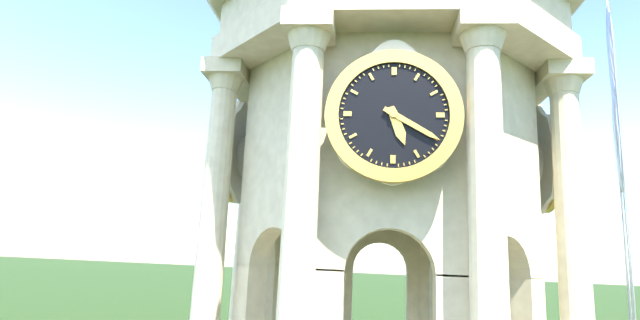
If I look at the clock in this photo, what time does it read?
5:20
